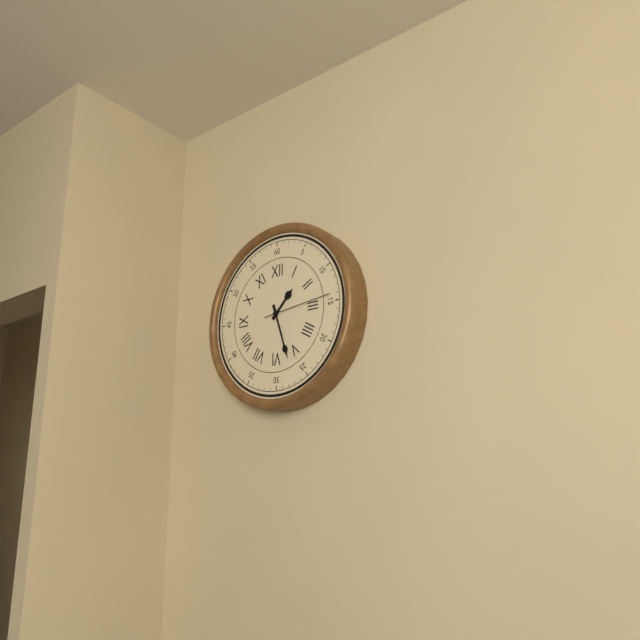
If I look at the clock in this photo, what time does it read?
1:27:14
